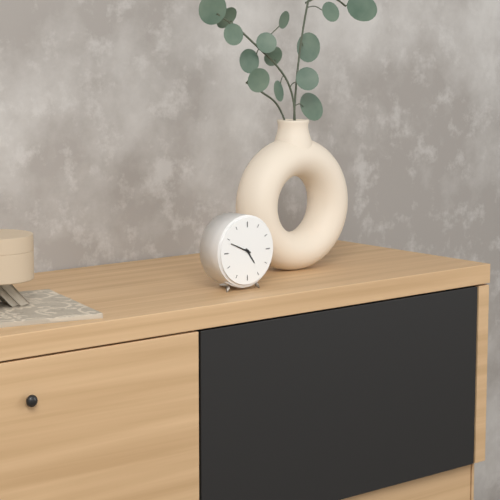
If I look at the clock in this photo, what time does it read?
4:49
